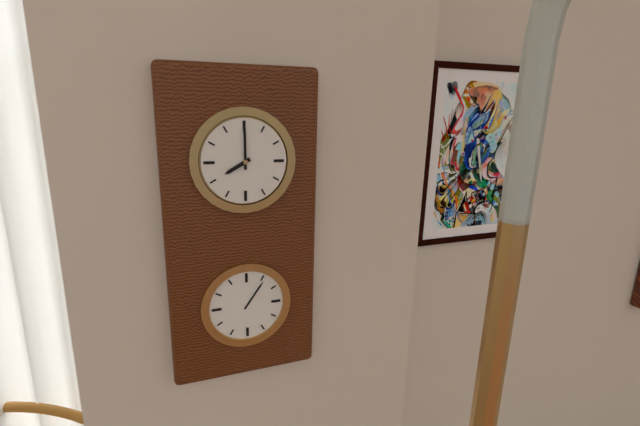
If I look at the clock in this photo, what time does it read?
8:00
